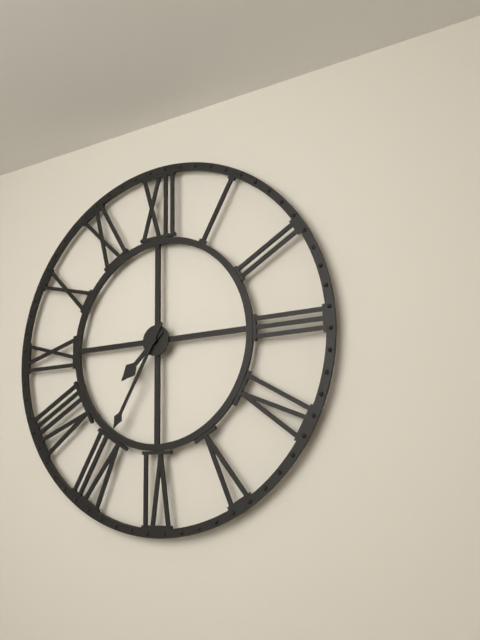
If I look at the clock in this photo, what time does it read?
7:35
